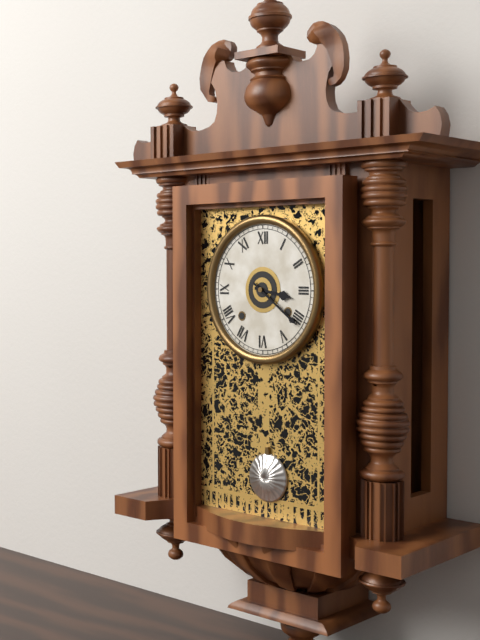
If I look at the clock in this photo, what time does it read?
3:21
